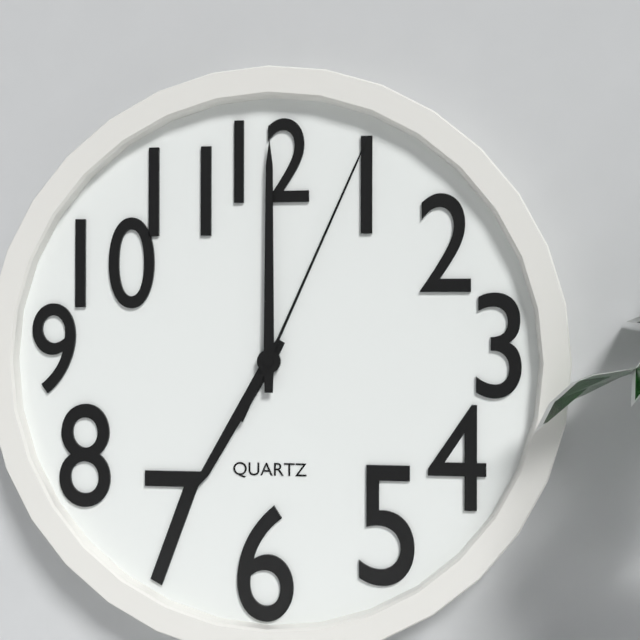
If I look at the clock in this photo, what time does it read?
7:00:04
